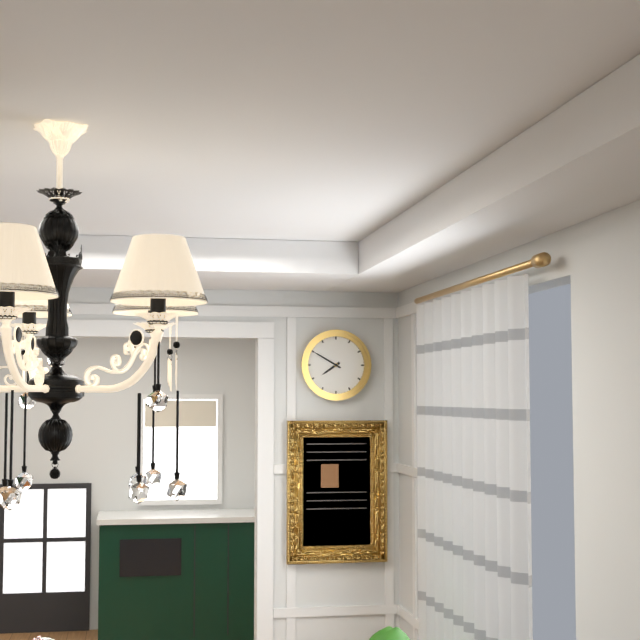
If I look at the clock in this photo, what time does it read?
7:50
